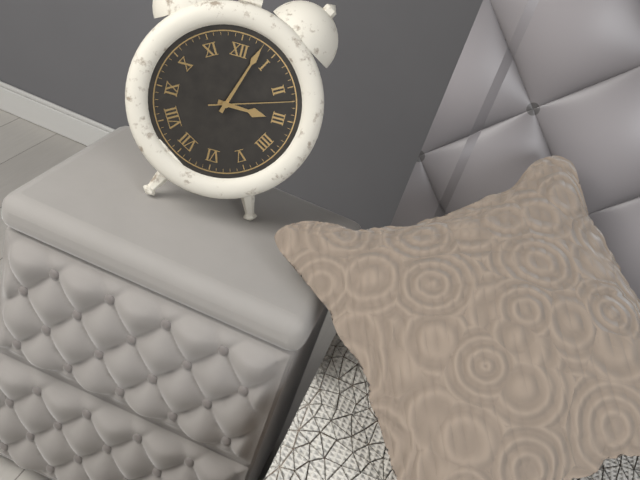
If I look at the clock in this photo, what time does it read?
3:03:12
